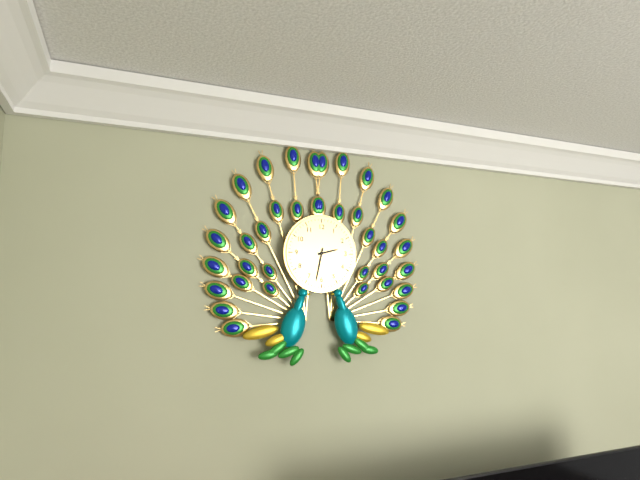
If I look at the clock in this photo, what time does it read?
2:32
